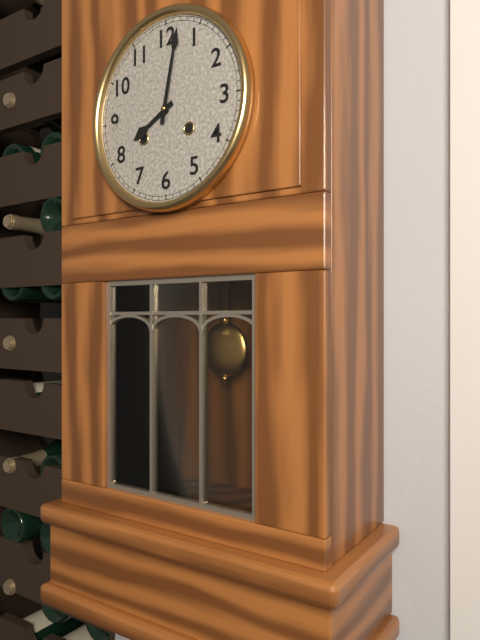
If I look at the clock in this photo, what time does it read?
8:02
